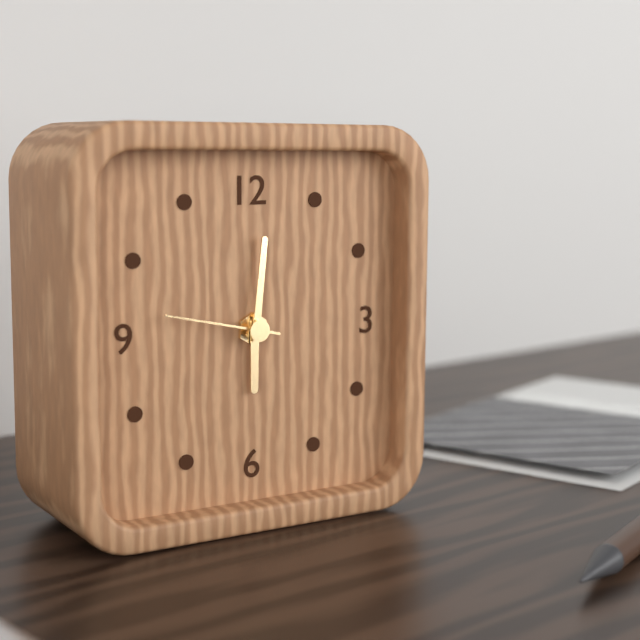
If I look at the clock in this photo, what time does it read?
6:01:47
